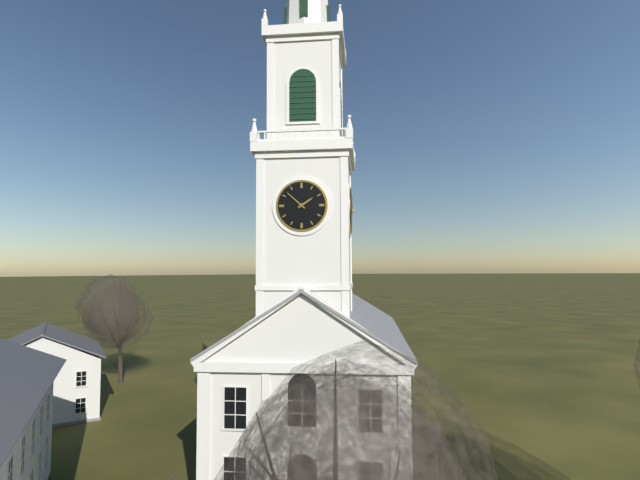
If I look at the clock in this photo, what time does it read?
1:52
